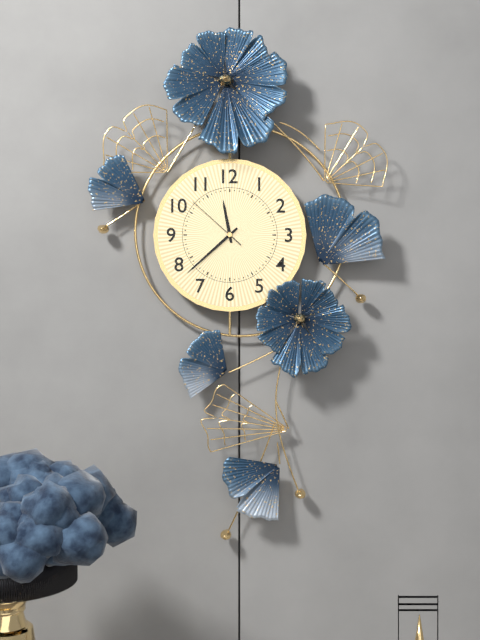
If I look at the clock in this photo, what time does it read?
11:38:52
